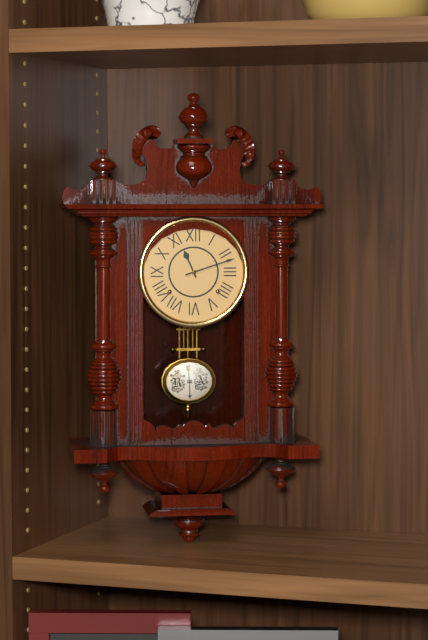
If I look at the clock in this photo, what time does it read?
11:12
